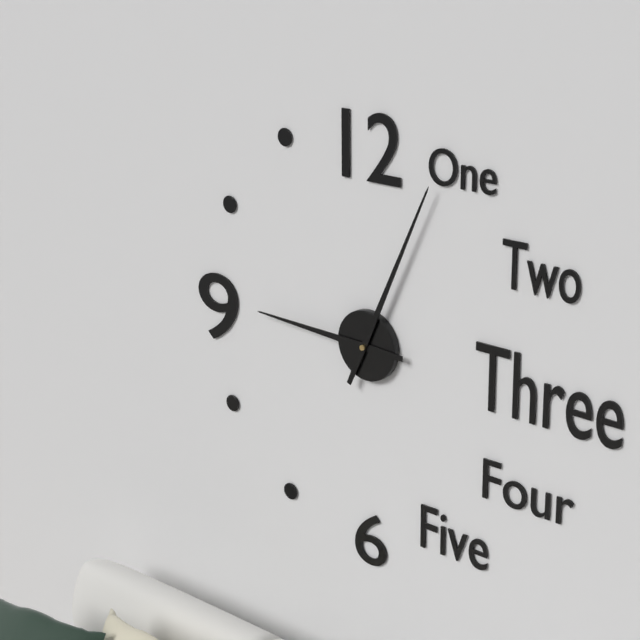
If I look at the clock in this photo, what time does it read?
9:04
